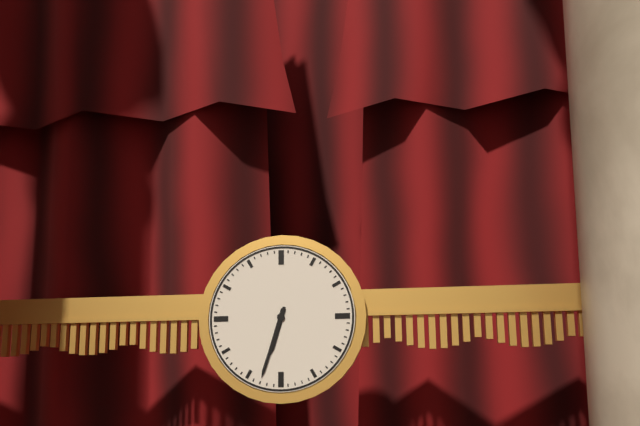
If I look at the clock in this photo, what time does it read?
6:33
